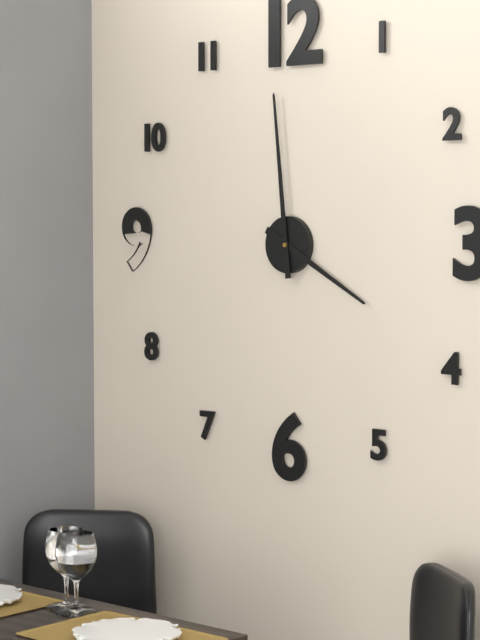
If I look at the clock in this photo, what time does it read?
3:59
